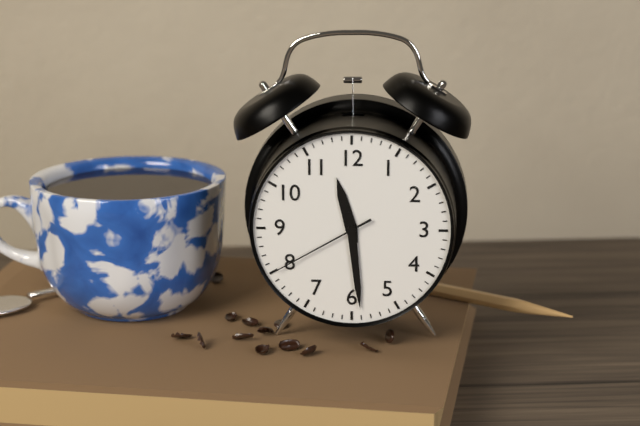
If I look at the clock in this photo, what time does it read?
11:29:40
